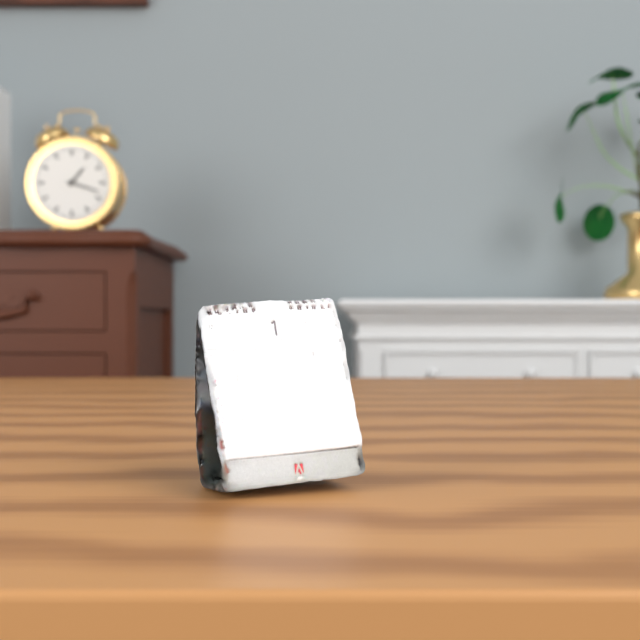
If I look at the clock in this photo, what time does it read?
1:18
